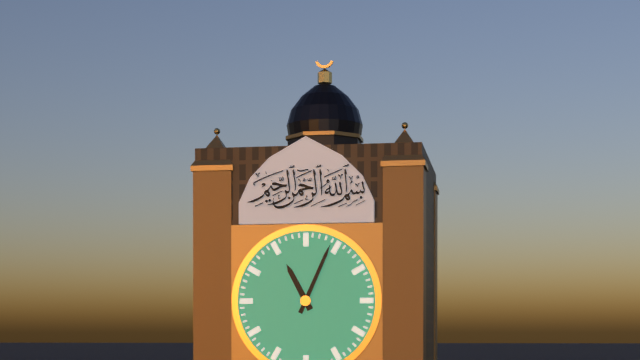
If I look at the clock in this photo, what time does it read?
11:04
